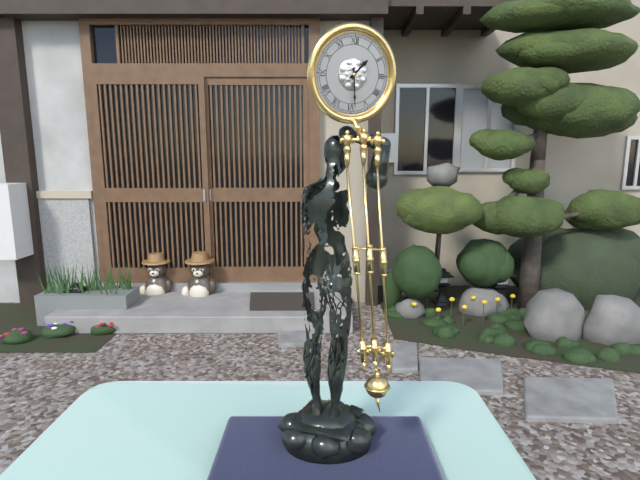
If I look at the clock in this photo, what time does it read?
1:29
